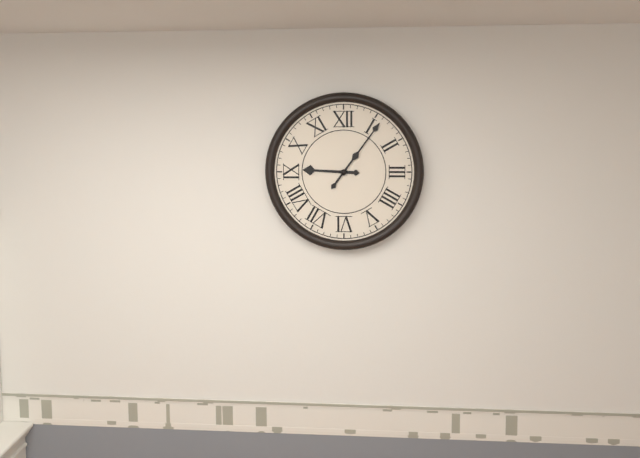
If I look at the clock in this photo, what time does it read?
9:06
